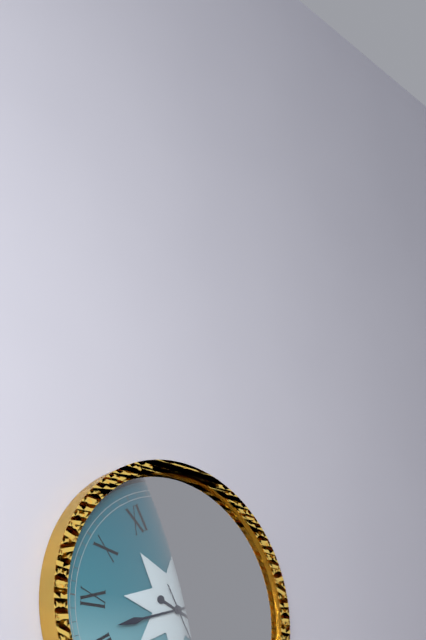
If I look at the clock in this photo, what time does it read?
3:42
